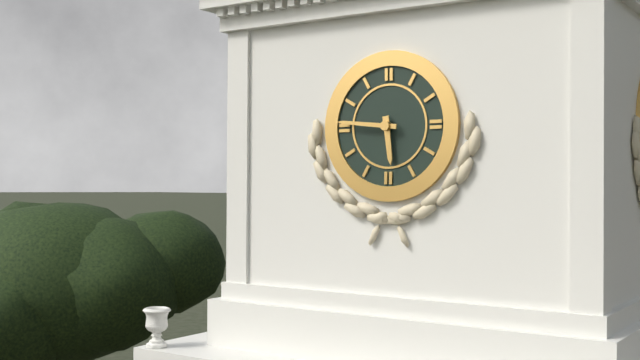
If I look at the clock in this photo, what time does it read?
5:46
